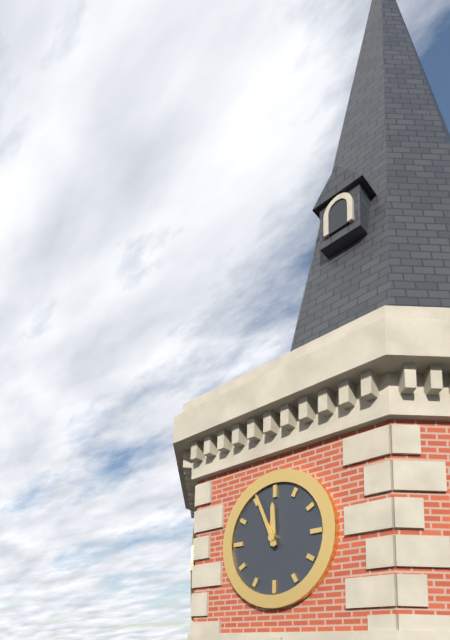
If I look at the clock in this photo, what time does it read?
11:56
